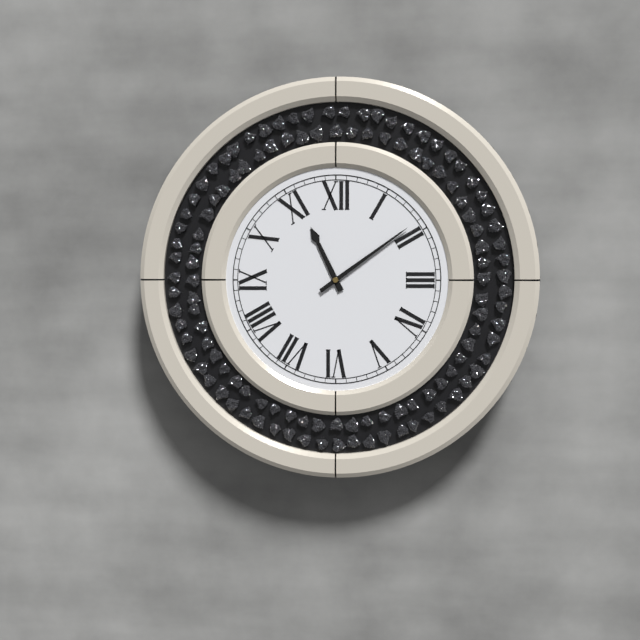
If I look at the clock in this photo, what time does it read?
11:09
